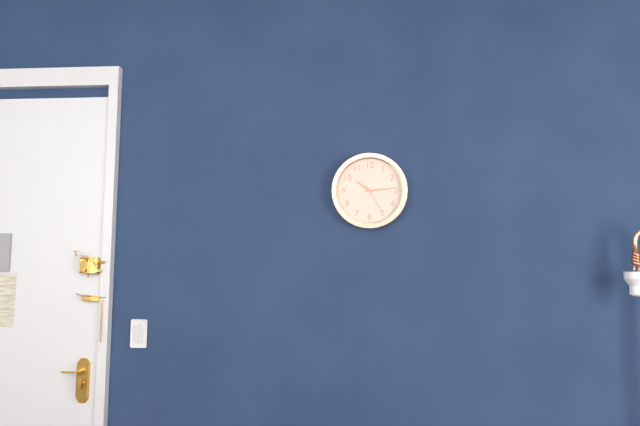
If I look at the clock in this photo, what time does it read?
10:14
